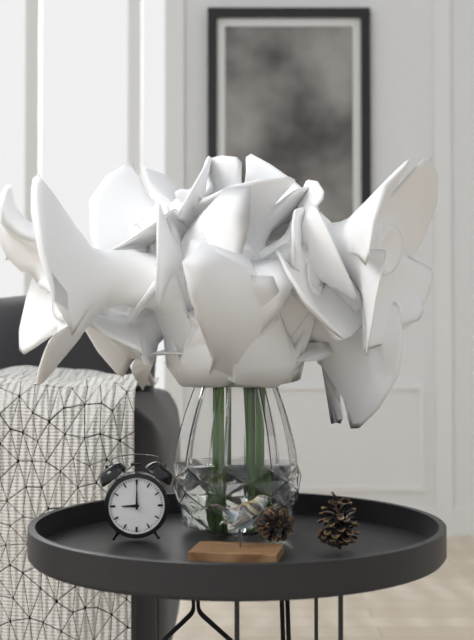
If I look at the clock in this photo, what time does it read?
9:00
